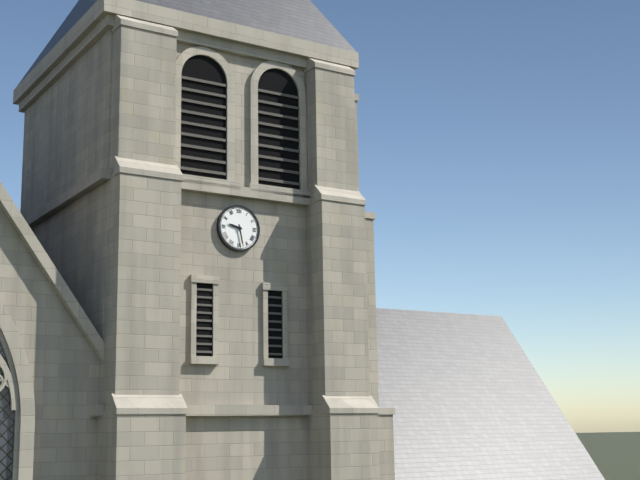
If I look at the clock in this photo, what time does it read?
9:28
